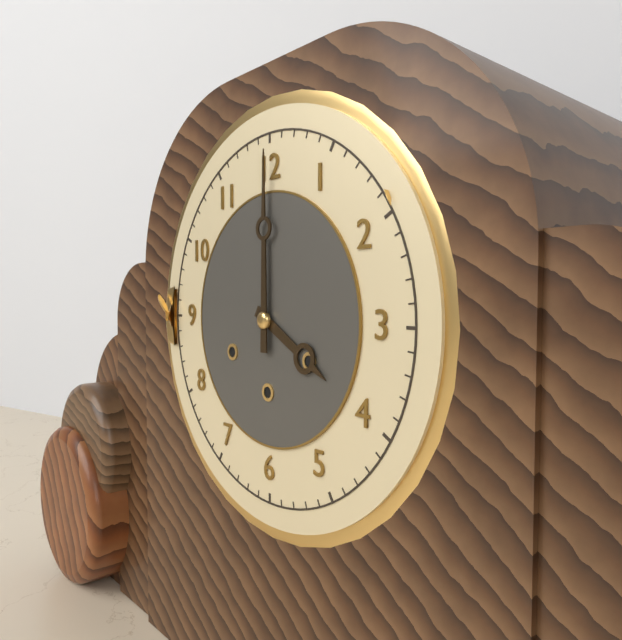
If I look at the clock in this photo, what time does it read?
4:00
